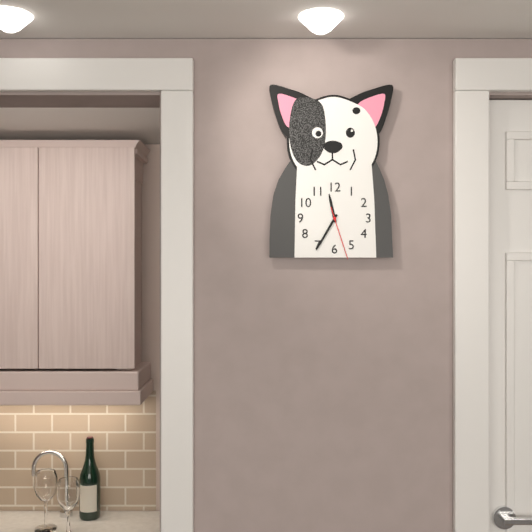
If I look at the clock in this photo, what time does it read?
11:35:27
